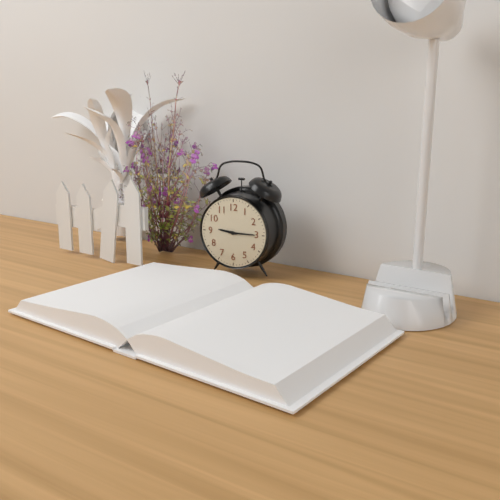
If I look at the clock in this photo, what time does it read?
9:15
